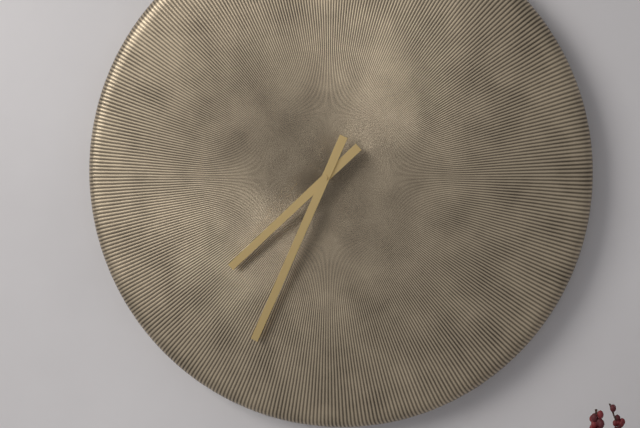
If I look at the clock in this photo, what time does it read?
7:34
